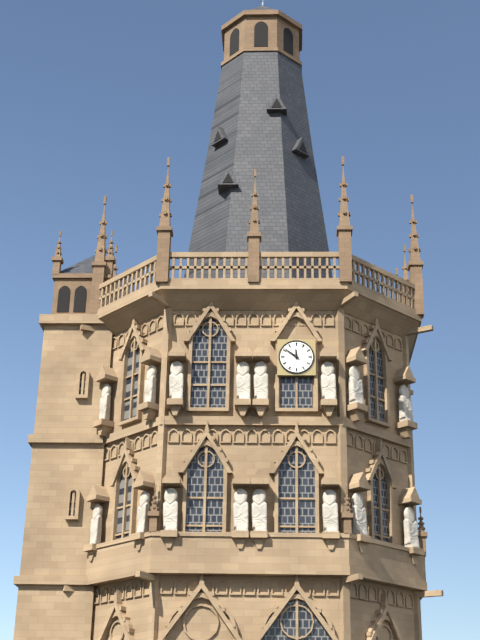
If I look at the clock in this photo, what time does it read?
11:51
